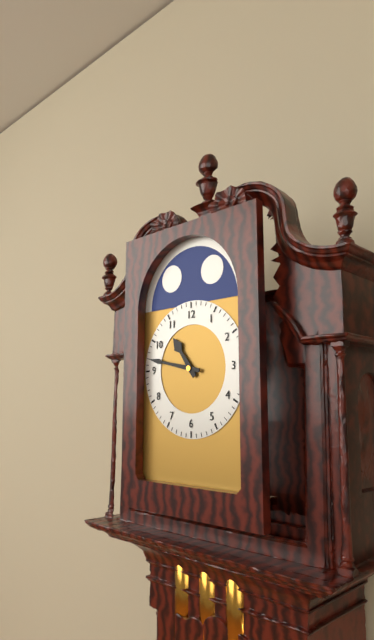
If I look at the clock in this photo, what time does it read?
10:47
